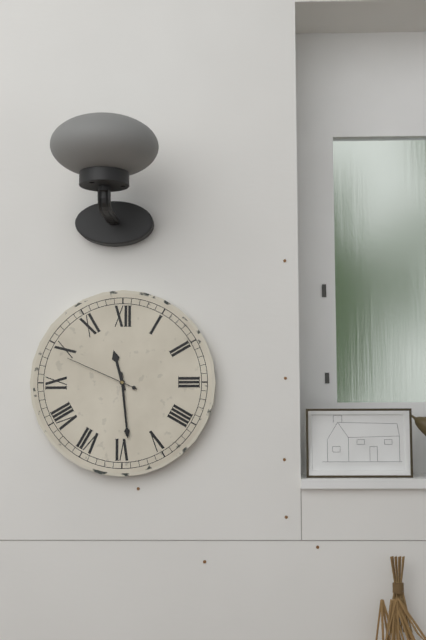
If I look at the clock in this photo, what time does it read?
11:29:49
